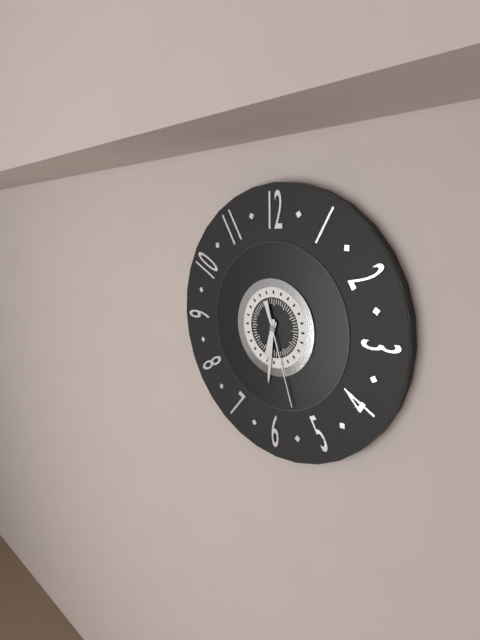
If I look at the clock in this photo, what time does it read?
6:31:27
